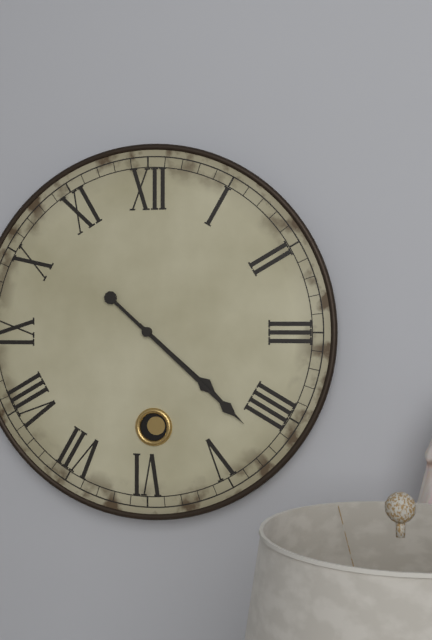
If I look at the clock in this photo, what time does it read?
4:22
